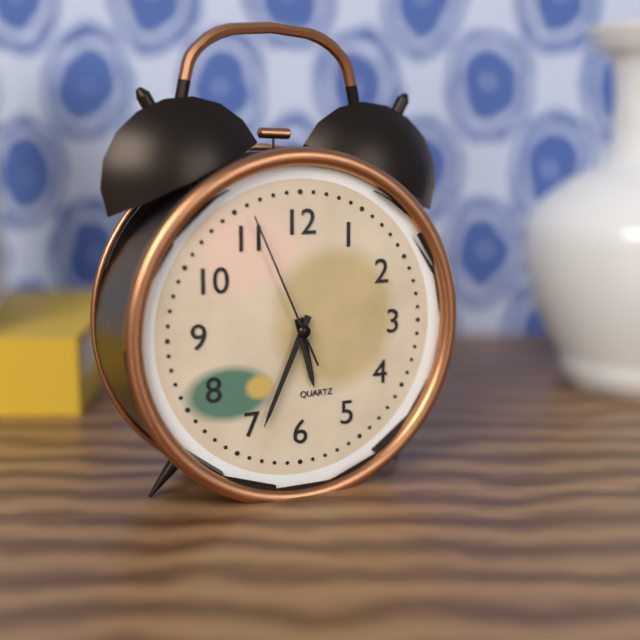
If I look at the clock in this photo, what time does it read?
5:34:56
